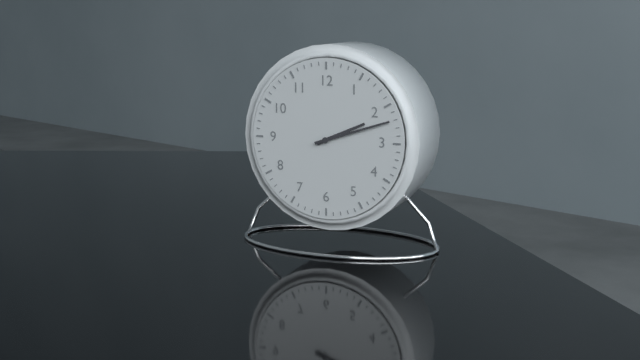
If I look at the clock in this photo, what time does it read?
2:12
